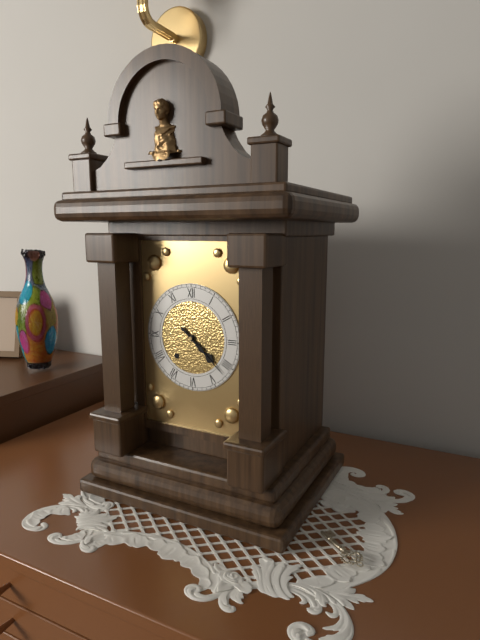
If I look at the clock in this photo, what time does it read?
4:22
